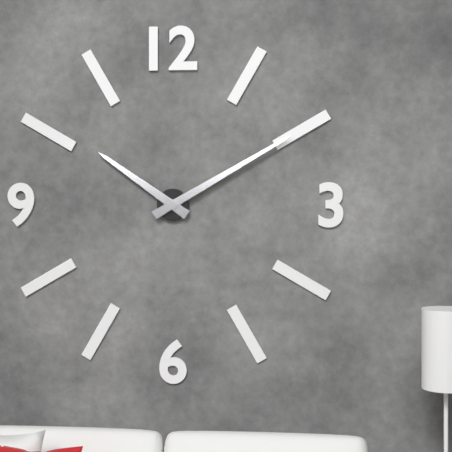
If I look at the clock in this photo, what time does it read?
10:10
